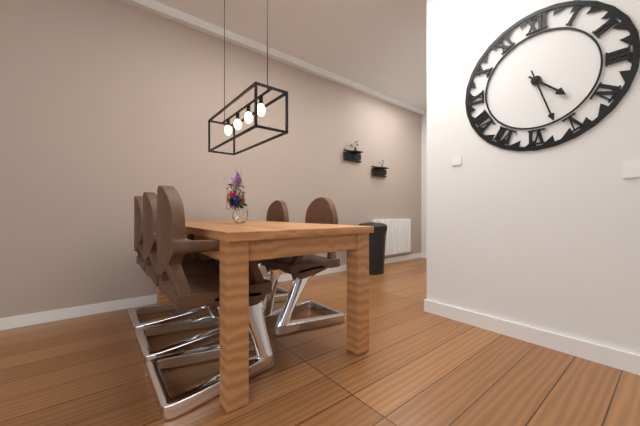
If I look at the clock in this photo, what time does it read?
4:27
